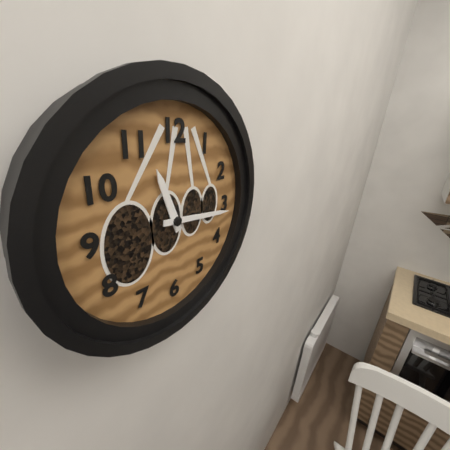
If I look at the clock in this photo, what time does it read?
11:16
